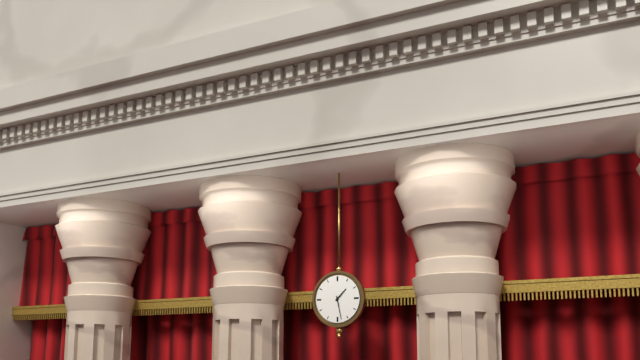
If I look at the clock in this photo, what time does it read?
1:28
